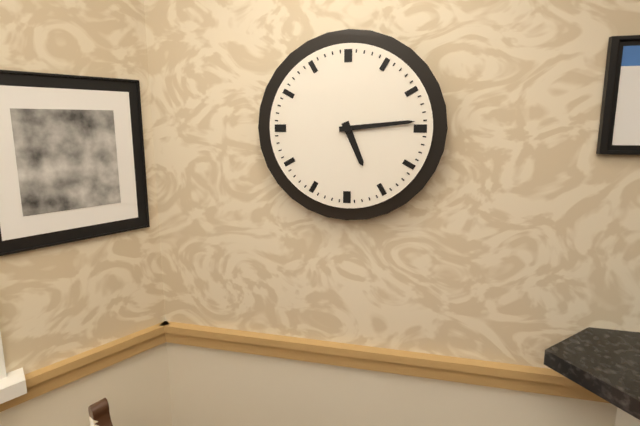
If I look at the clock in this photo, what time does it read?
5:14
